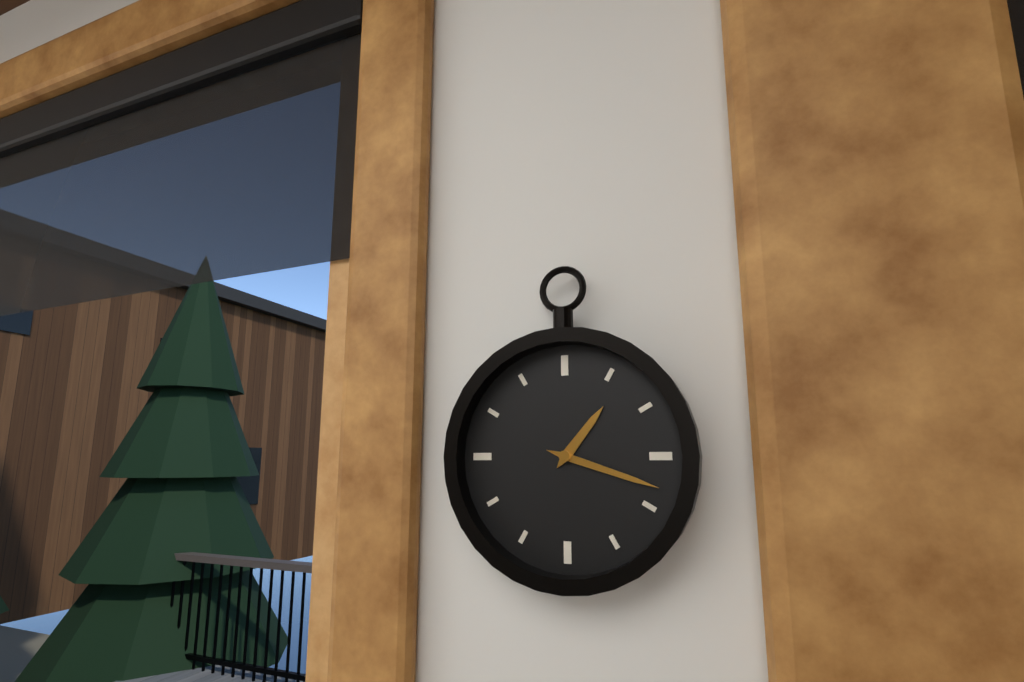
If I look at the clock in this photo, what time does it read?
1:18
